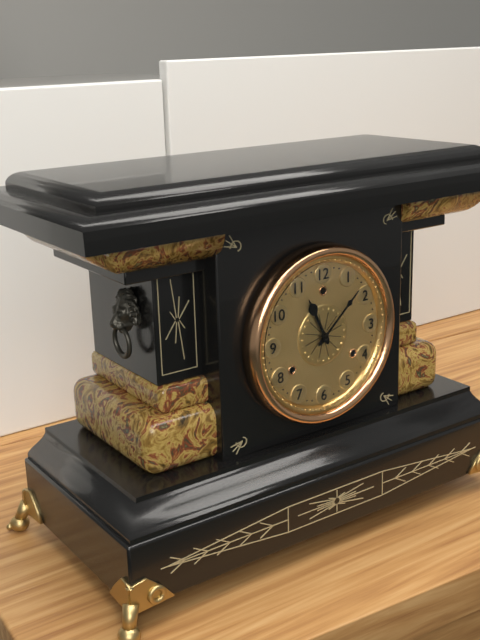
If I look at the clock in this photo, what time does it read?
11:08
